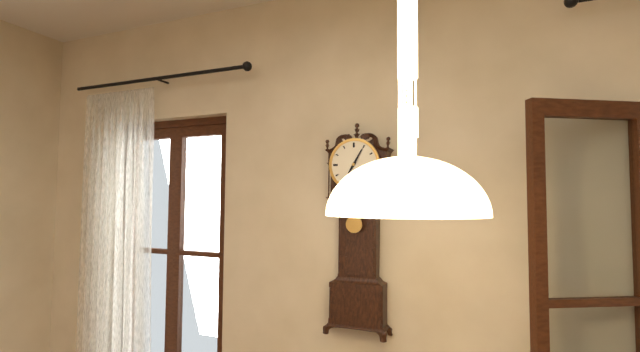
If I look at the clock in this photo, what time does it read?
7:05
